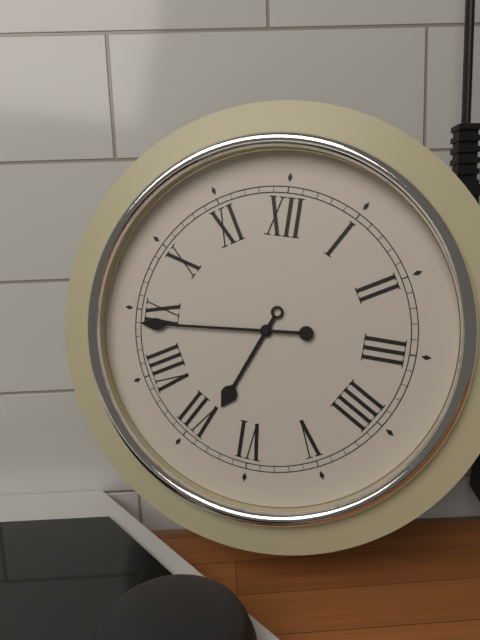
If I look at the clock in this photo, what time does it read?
6:44
